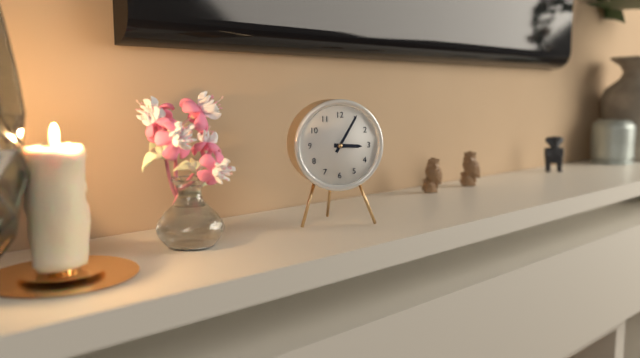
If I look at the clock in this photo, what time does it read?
3:05
